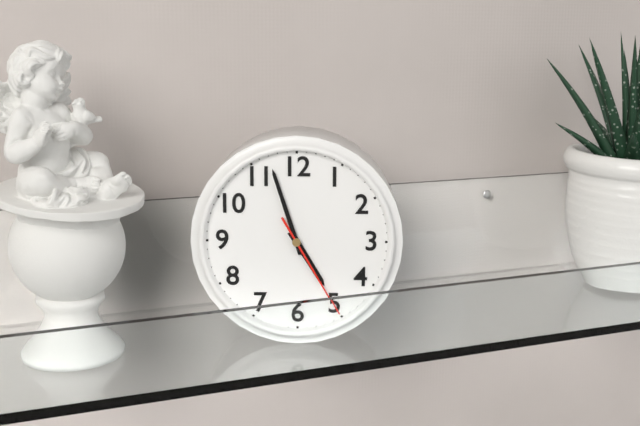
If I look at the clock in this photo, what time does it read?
4:57:25
